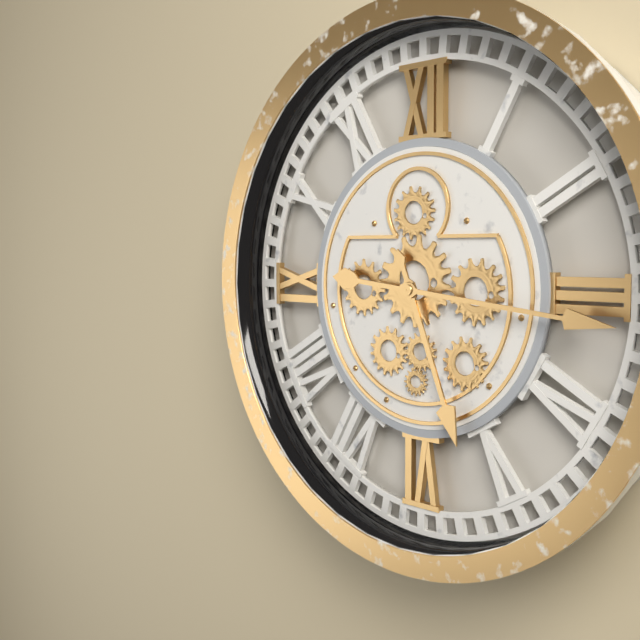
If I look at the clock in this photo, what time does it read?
5:16
